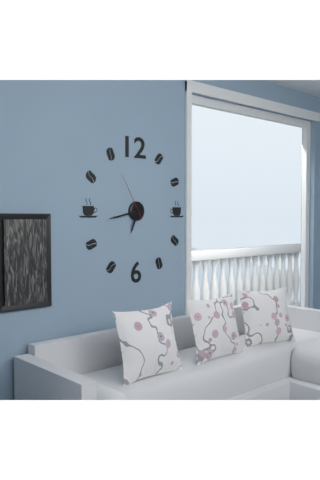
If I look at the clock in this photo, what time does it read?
6:43
